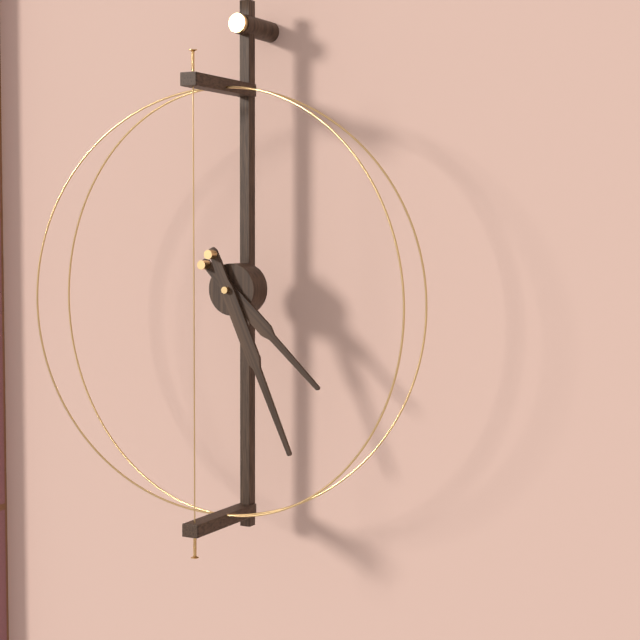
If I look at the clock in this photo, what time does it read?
4:26
